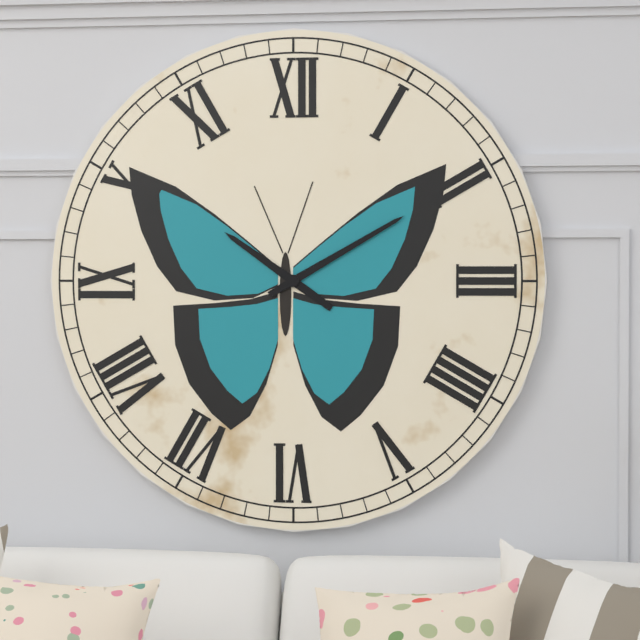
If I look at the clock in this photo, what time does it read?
10:10
